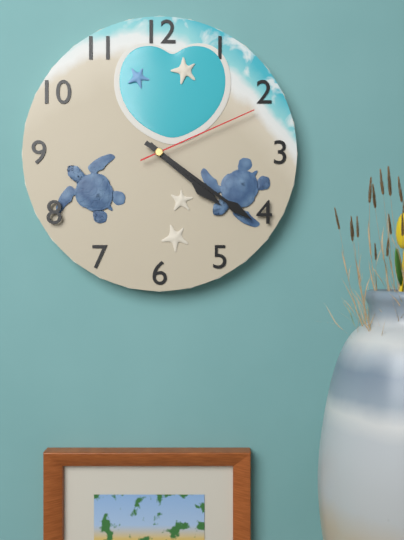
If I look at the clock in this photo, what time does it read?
4:21:11
